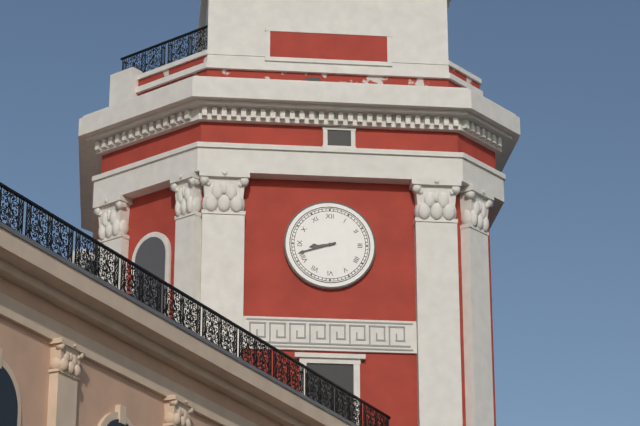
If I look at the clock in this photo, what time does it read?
8:42
